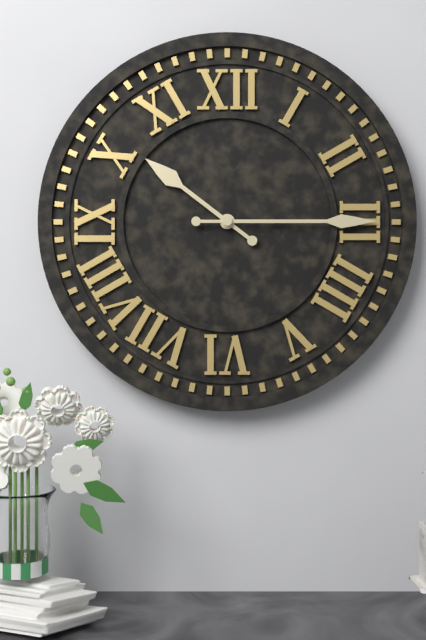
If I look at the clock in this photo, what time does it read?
10:15
